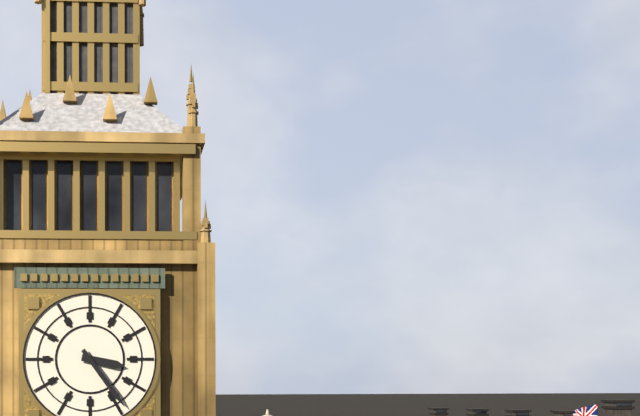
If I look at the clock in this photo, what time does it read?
3:24
